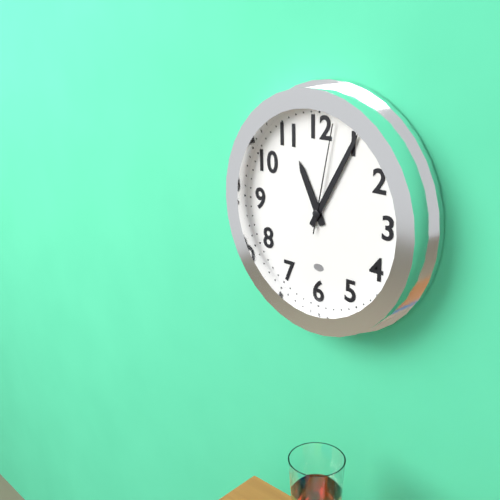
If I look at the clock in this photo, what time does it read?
11:05:02
